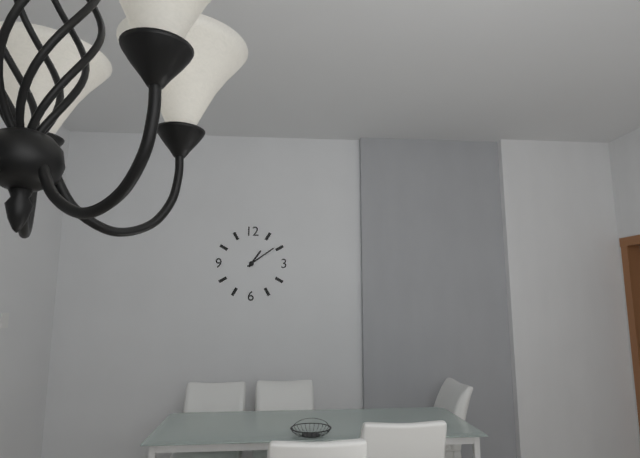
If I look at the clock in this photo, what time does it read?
1:09
